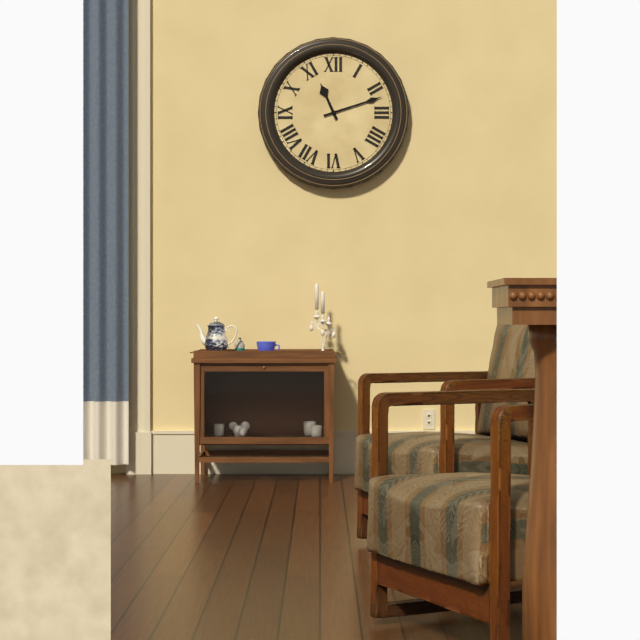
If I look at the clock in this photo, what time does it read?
11:12
